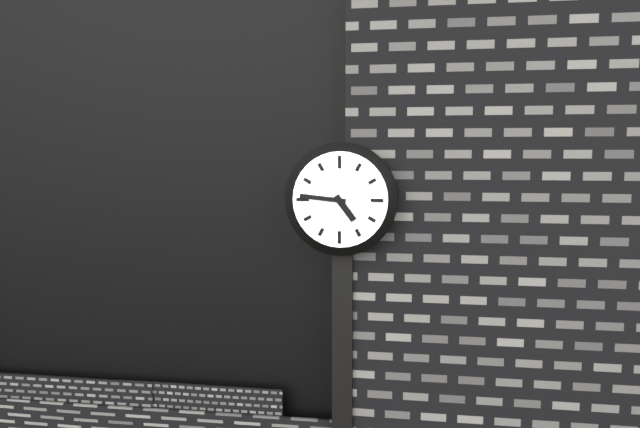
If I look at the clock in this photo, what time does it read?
4:46
